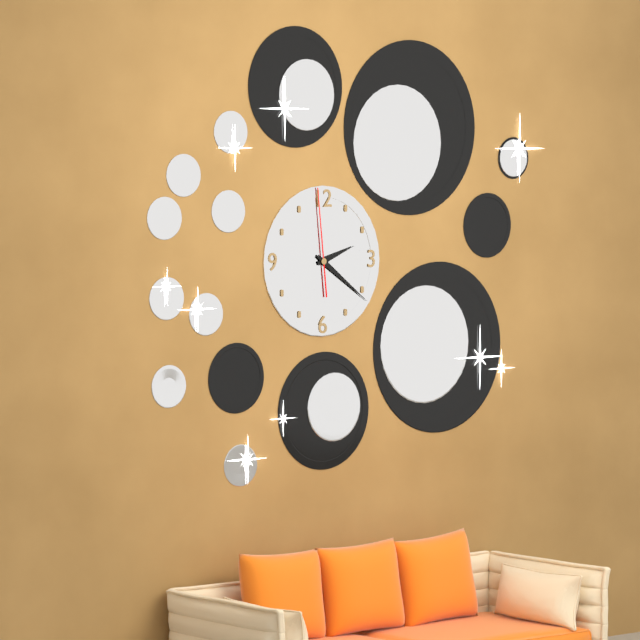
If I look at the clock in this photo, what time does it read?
2:21:59
